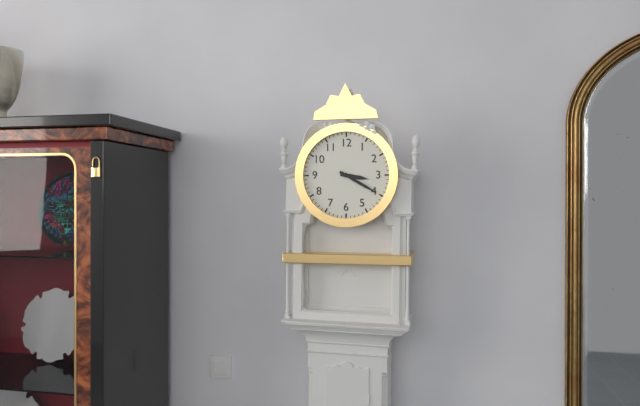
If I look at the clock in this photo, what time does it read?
3:20
